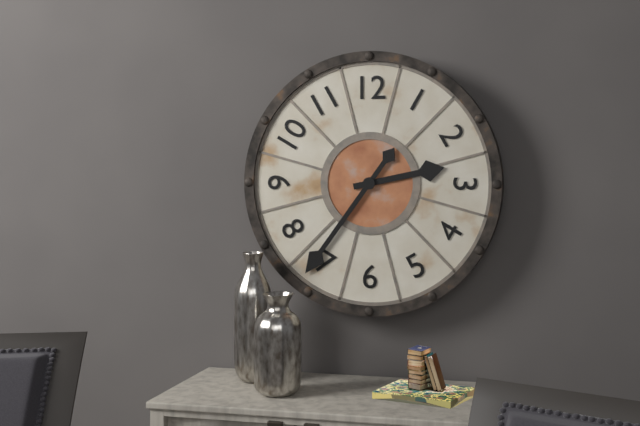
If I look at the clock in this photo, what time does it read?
2:36
